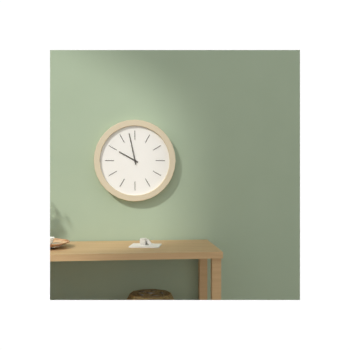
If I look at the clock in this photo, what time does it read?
9:58
